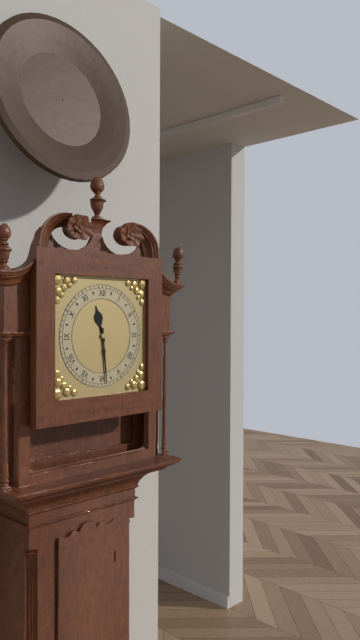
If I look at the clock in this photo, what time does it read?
11:29
